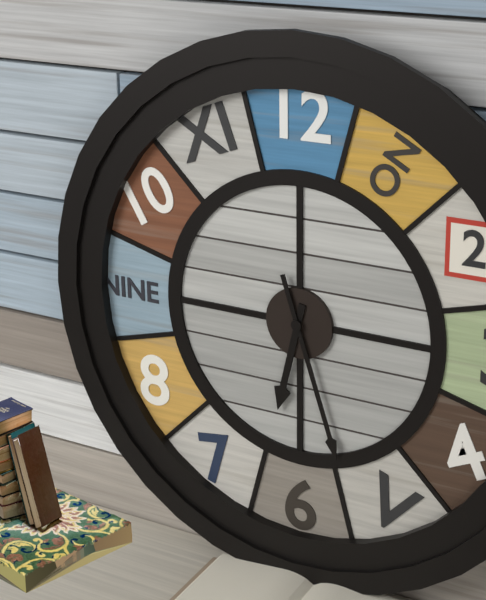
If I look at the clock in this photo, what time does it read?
6:27
